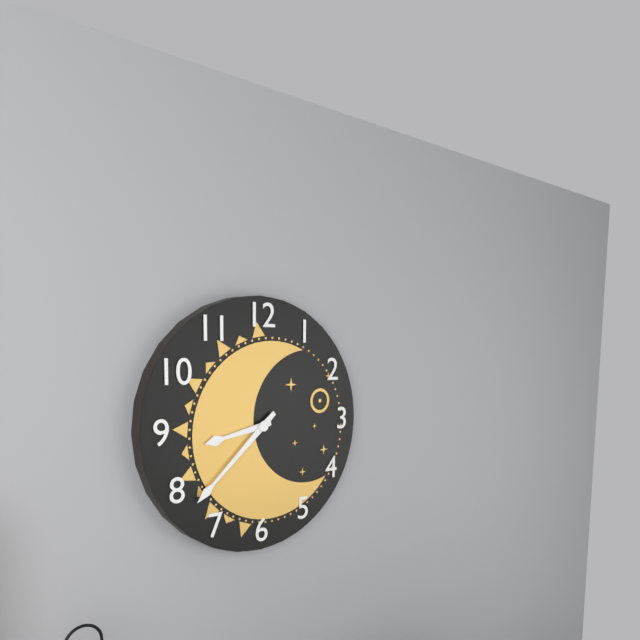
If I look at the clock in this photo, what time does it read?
8:38
